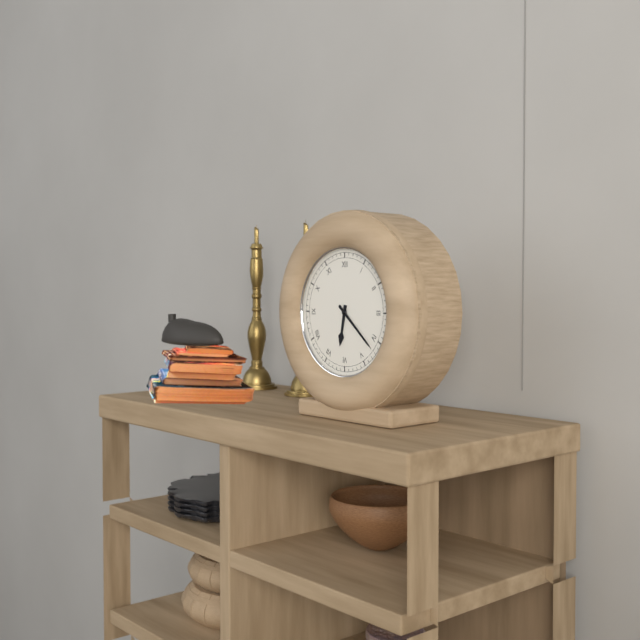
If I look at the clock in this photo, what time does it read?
6:22
